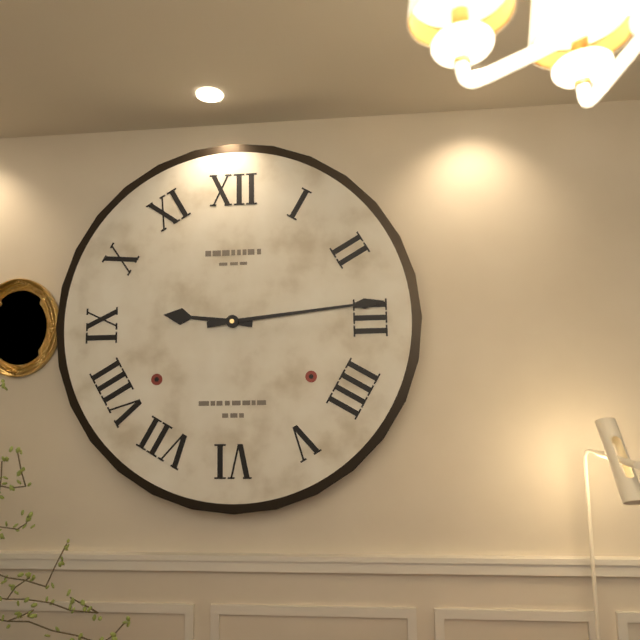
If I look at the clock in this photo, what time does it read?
9:14
